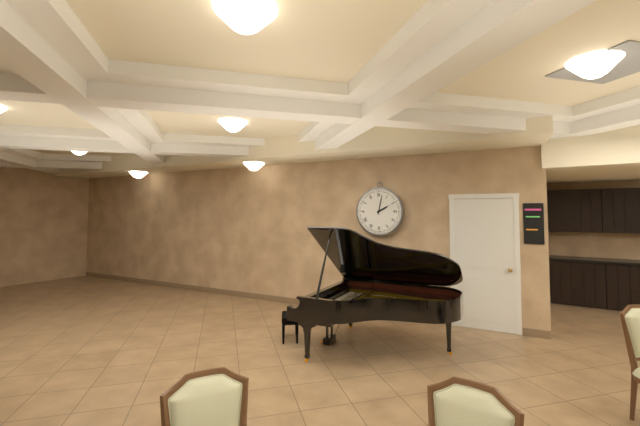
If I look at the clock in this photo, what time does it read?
2:02
